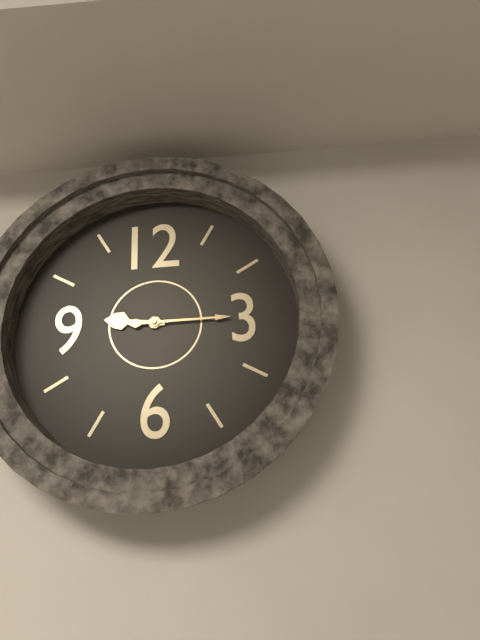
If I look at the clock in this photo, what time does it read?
9:15
